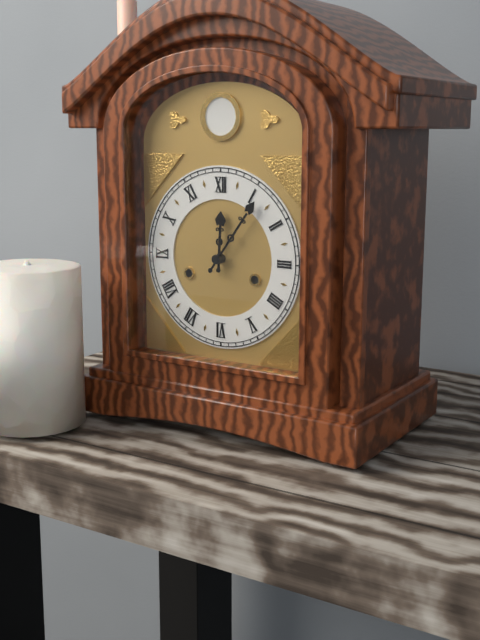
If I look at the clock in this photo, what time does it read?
12:06
